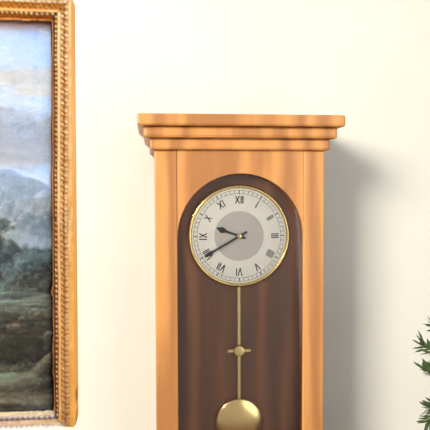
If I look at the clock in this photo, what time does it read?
9:40
